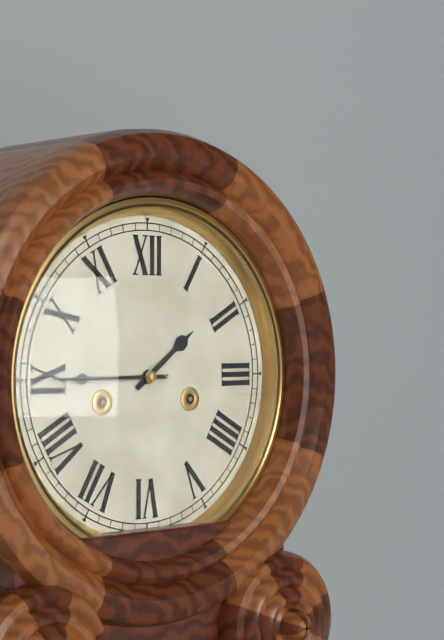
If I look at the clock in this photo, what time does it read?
1:45
